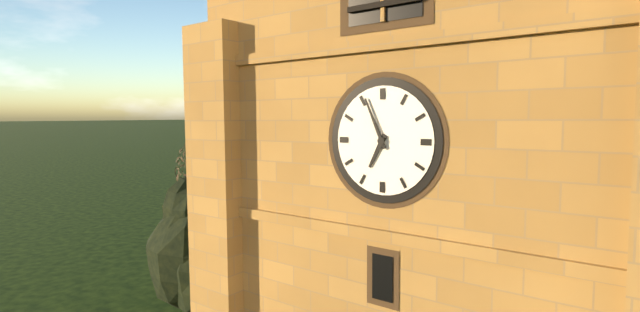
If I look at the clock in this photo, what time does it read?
6:56
